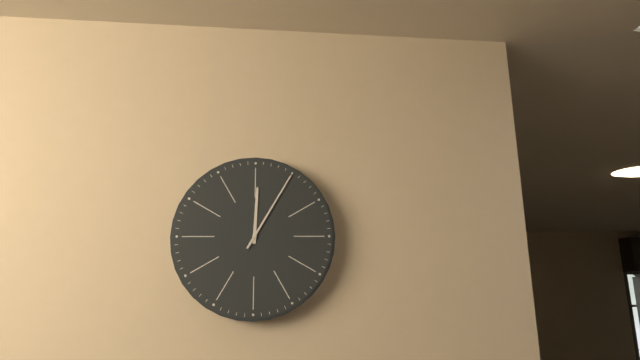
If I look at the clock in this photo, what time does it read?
12:05
